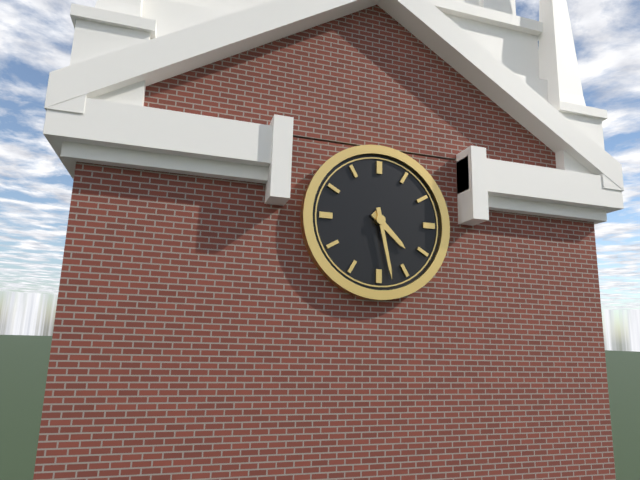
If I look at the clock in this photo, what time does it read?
4:28
